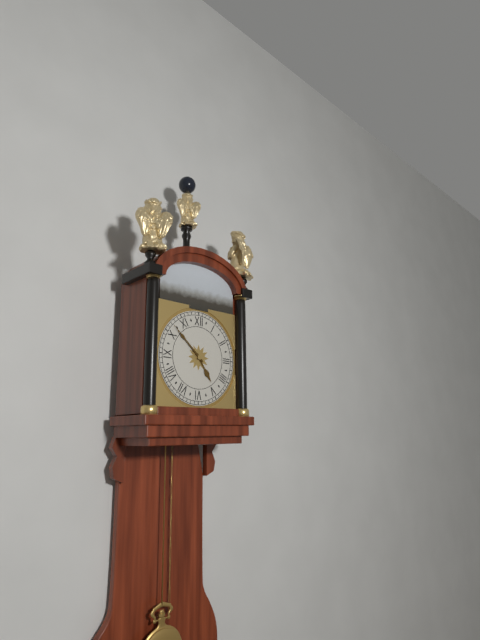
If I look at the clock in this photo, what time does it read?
4:52
